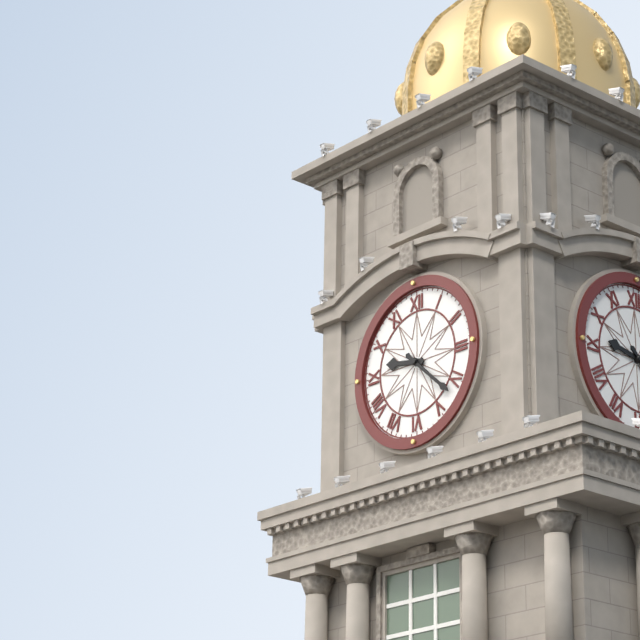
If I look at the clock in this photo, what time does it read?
9:22
